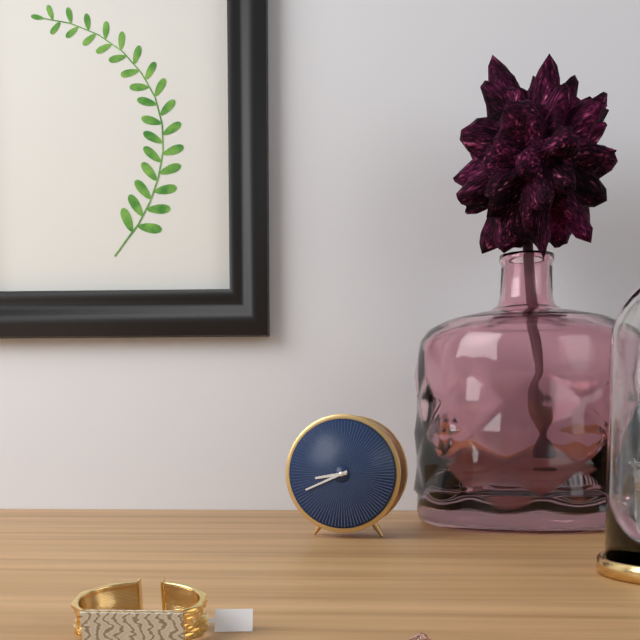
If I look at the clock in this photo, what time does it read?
8:41
